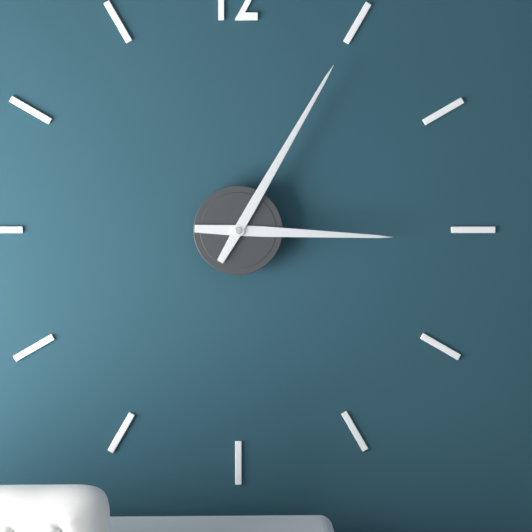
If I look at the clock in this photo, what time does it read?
3:05
